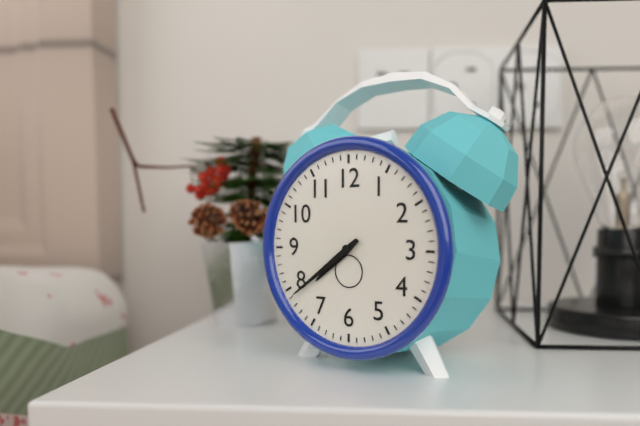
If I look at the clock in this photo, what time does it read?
7:39
